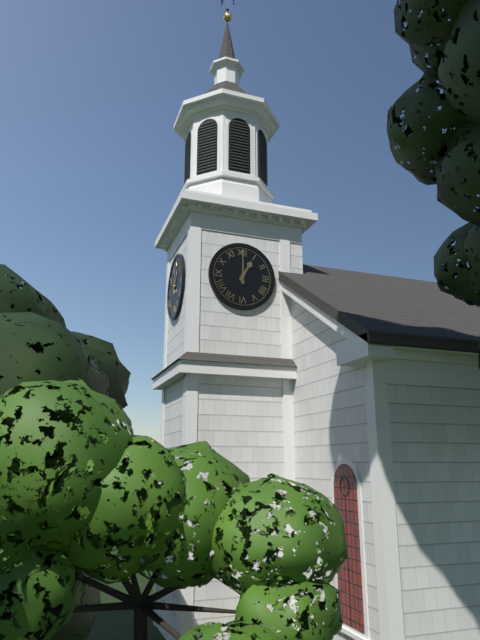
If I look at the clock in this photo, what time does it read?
1:00
